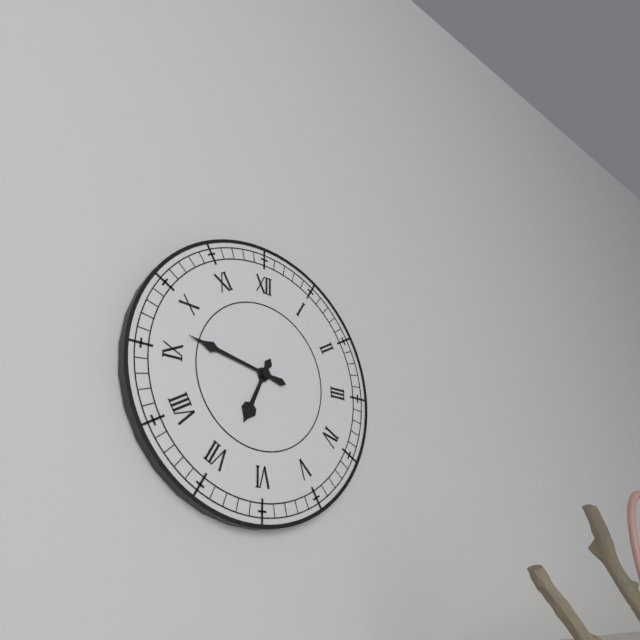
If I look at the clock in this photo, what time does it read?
6:47
